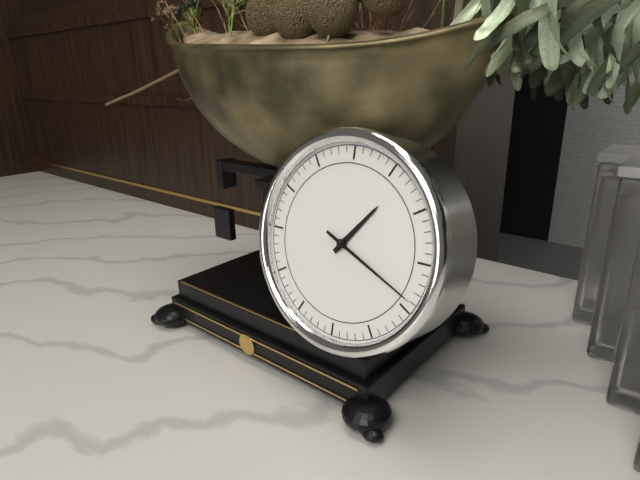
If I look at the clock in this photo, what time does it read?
1:19
